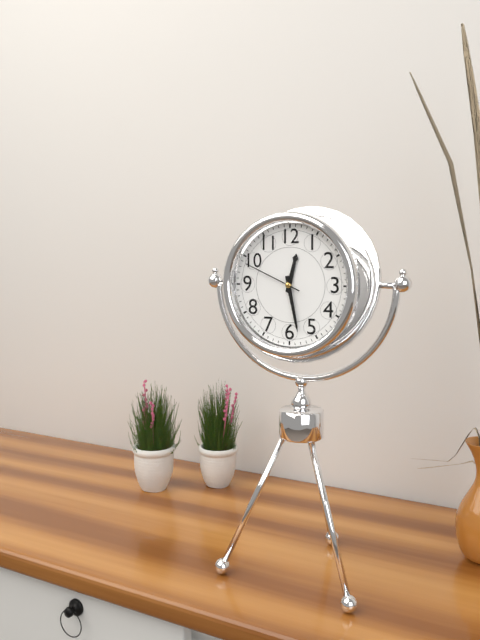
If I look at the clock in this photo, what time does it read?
12:28:49
